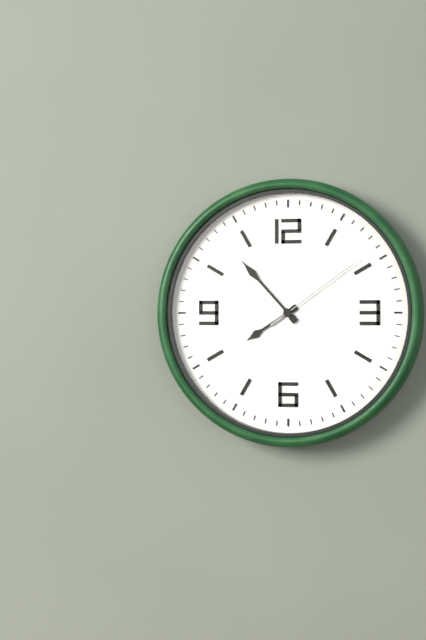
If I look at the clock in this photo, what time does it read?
7:53:09
